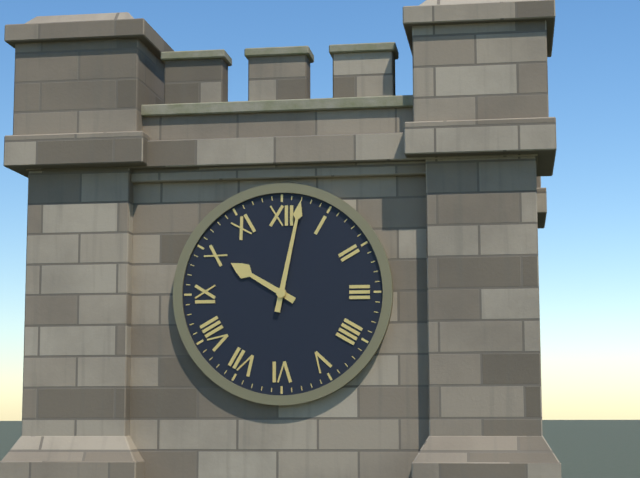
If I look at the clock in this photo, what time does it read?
10:02
